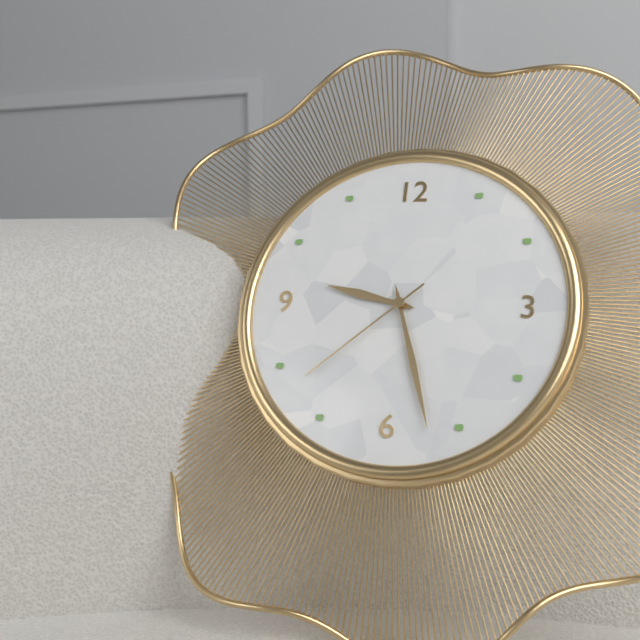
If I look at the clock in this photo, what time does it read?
9:27:38
